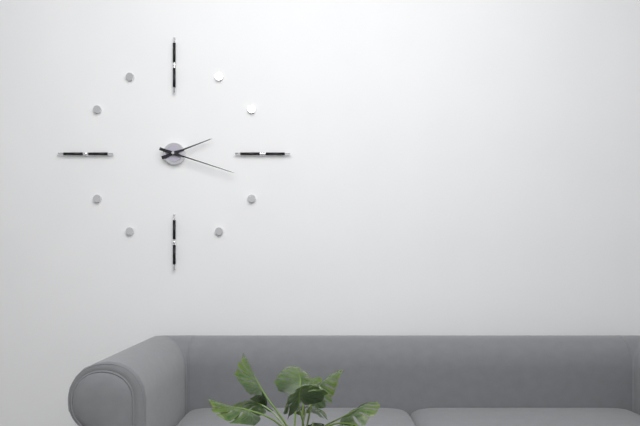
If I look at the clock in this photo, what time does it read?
2:18
